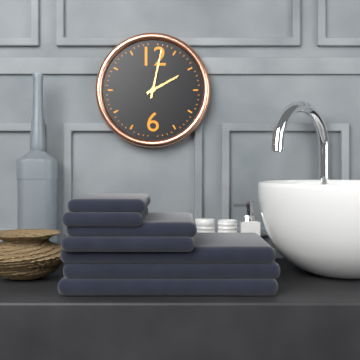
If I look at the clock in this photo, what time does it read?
2:02
